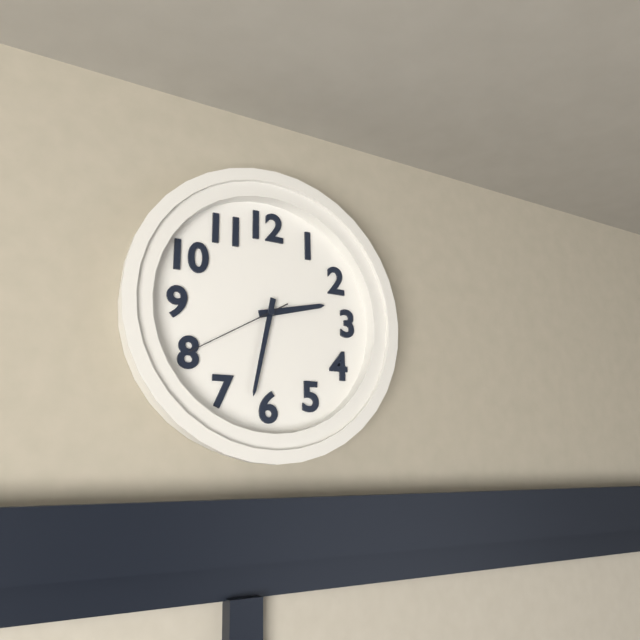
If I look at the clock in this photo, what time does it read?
2:32:40
